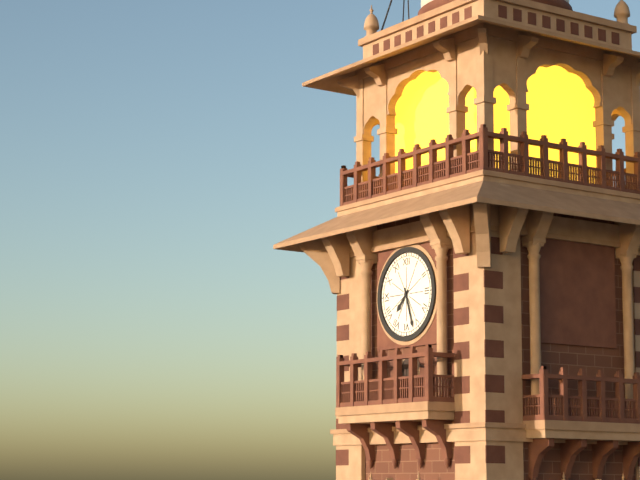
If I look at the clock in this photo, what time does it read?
7:27
